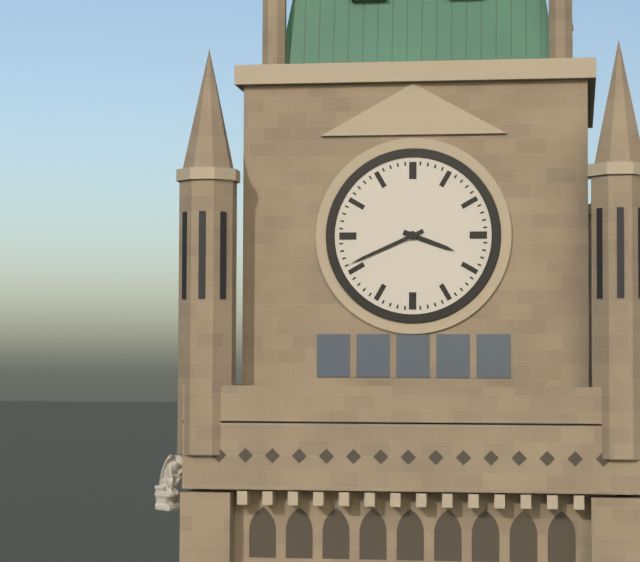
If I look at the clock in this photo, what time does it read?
3:41
